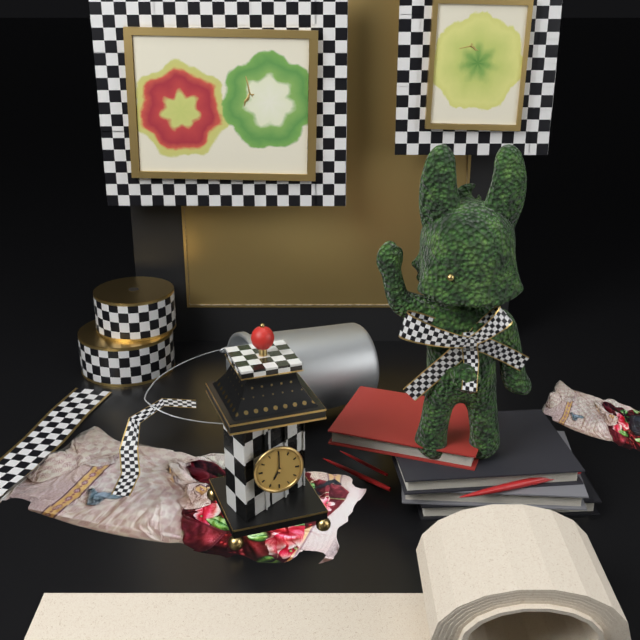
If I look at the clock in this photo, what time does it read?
7:00
